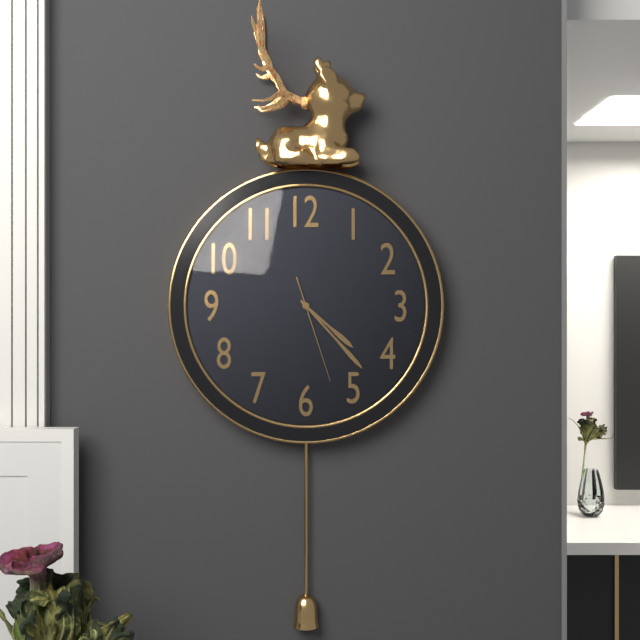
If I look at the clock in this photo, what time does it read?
4:23:27
